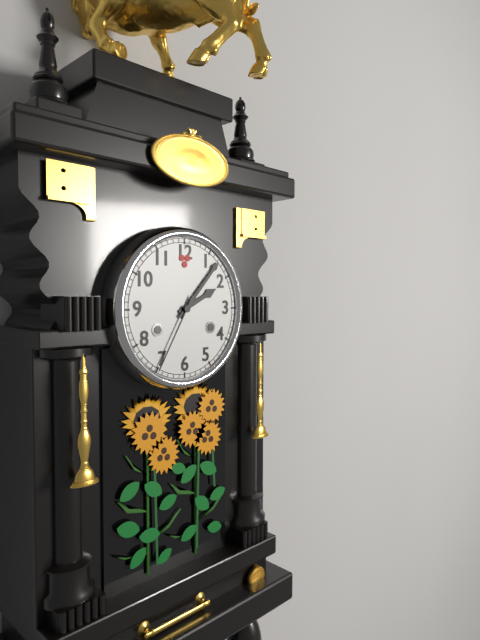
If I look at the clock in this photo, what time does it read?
2:07:35
